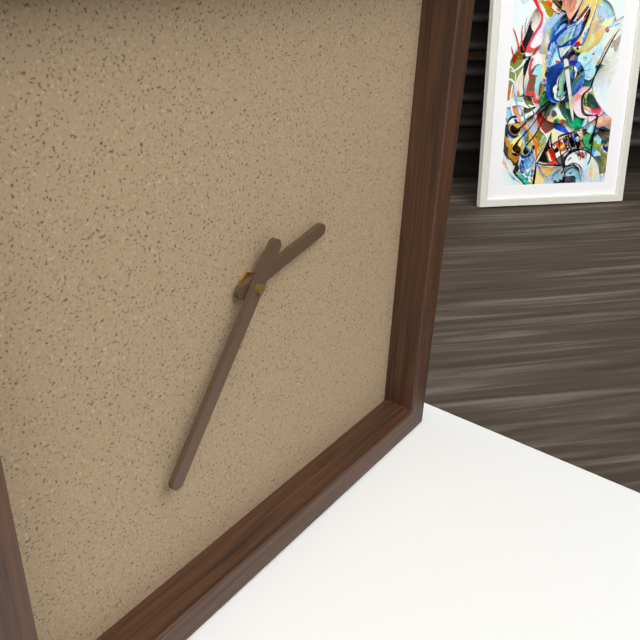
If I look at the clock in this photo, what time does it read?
2:36
